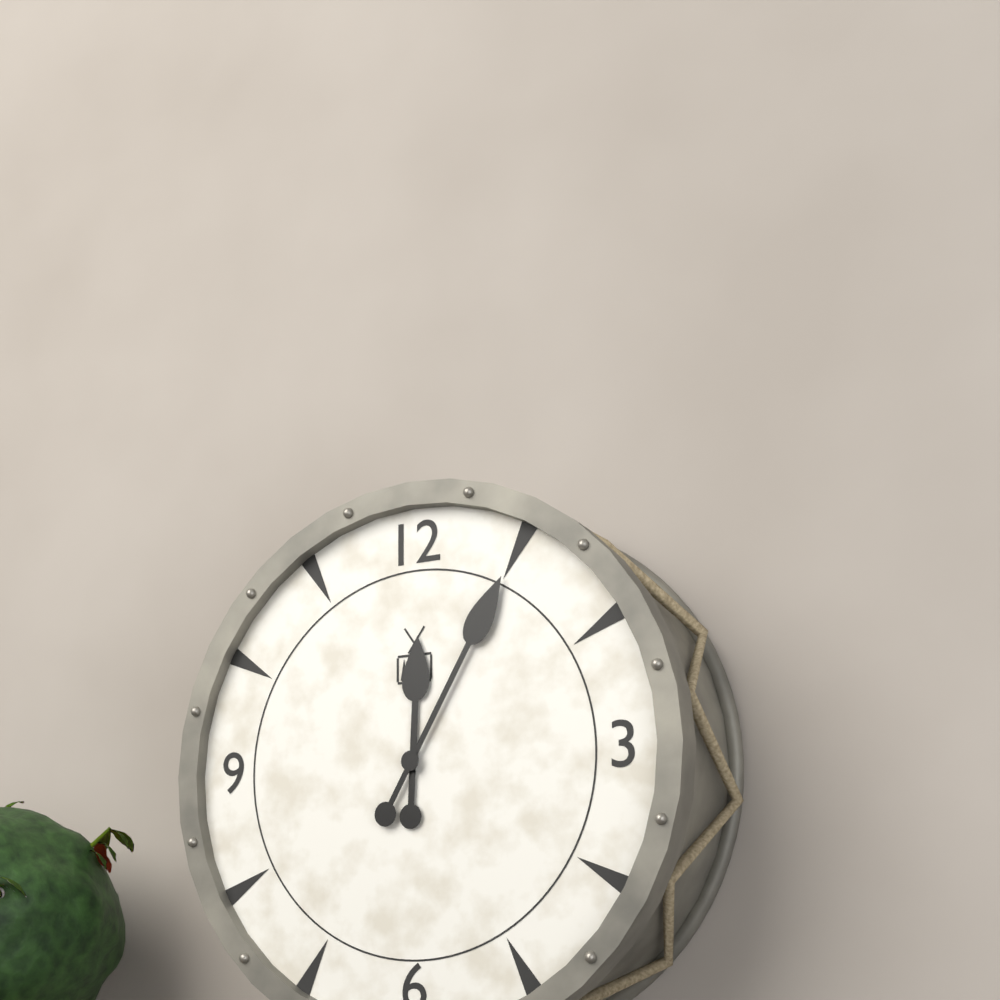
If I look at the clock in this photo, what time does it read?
12:05
